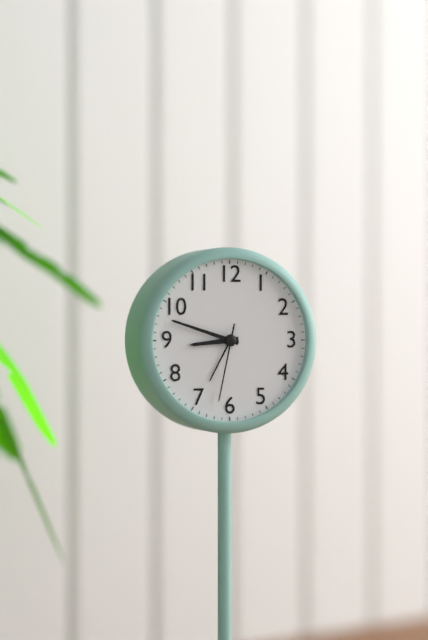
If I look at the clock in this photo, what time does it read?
8:48:32
